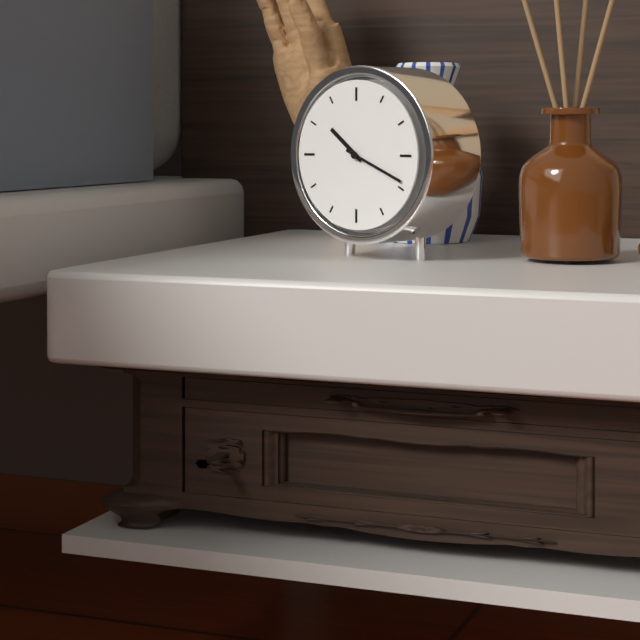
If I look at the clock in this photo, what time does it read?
10:19
